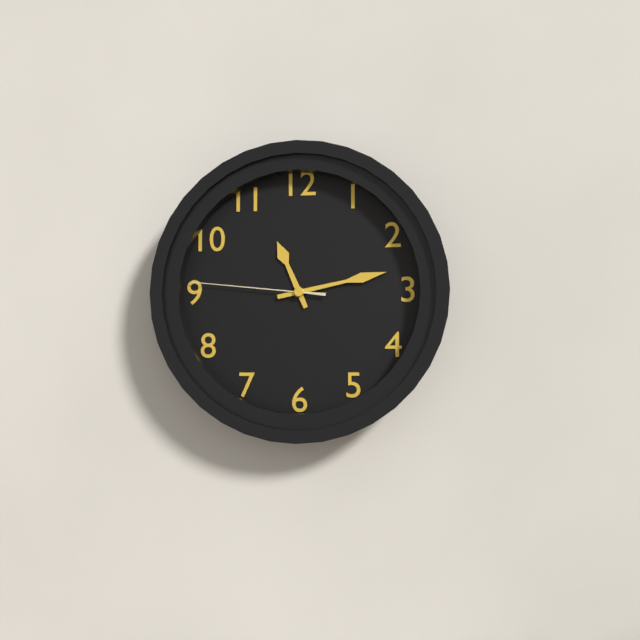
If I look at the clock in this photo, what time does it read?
11:13:46
